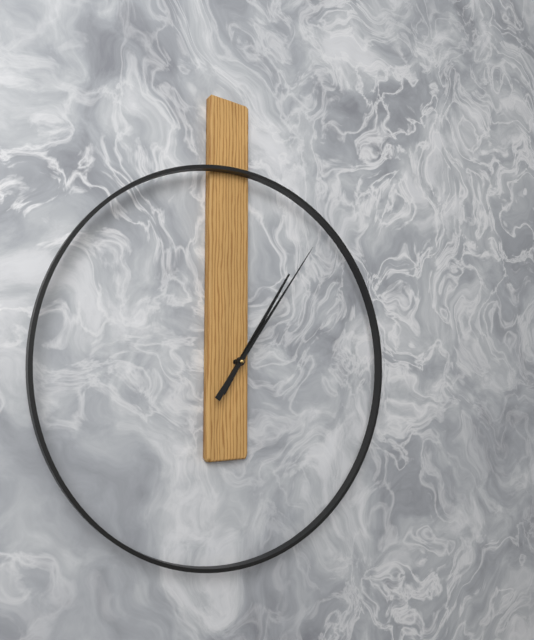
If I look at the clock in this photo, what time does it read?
1:06
